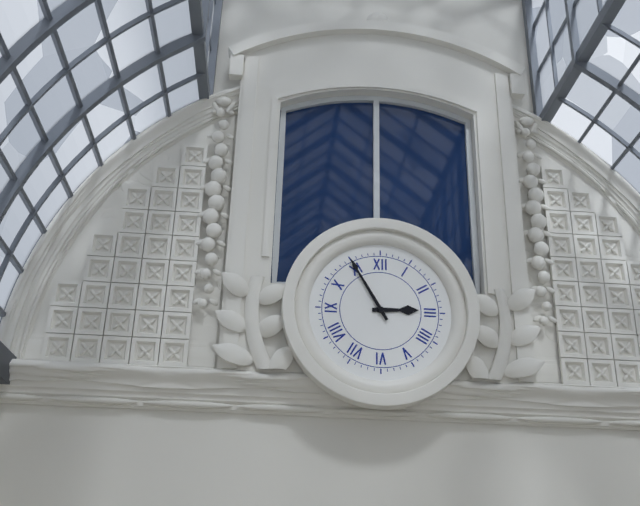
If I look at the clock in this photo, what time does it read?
2:55
